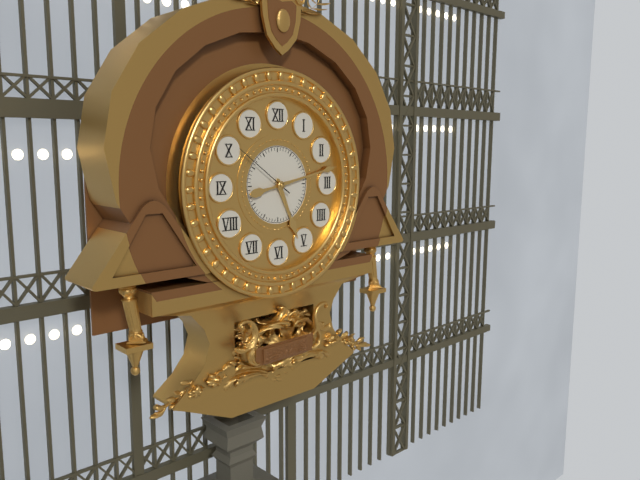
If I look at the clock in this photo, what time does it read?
5:13:51
